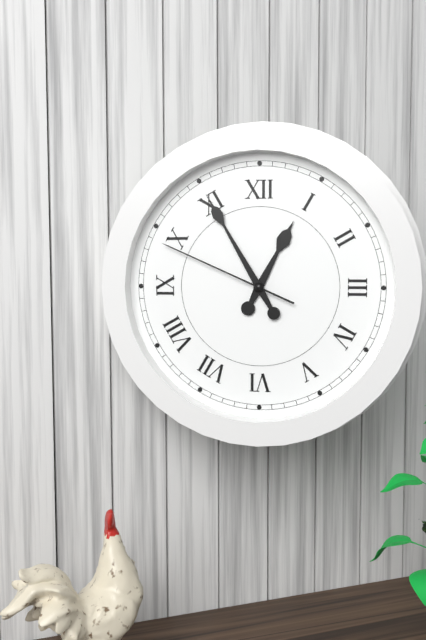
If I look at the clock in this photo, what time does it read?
12:55:49
